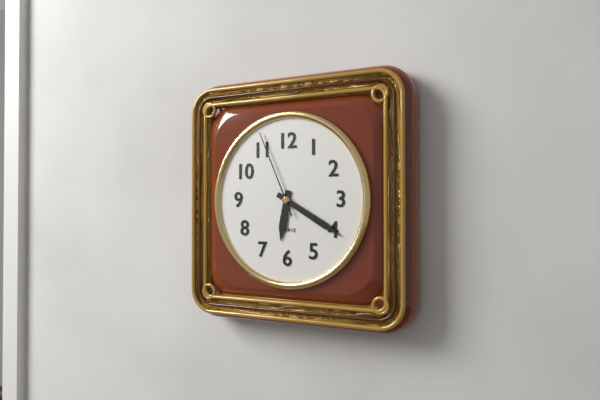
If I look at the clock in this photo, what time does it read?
6:20:56
